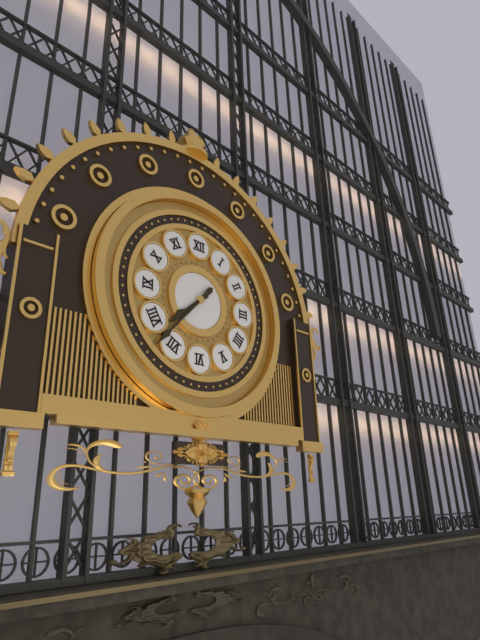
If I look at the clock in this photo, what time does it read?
7:37
